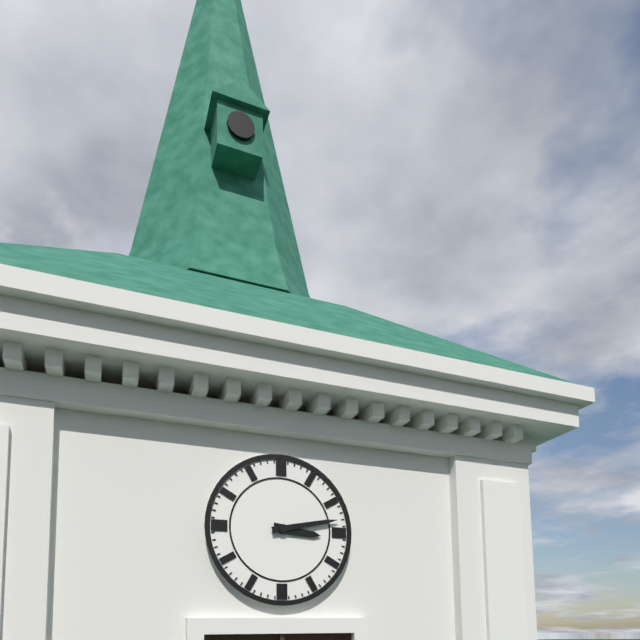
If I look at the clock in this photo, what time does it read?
3:13
